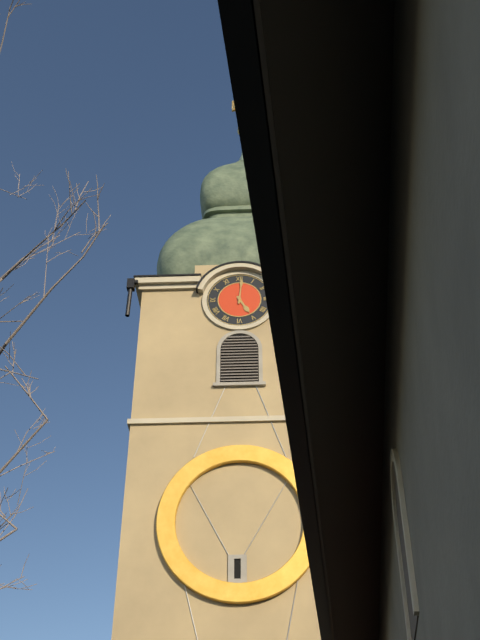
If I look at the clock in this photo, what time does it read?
5:01
